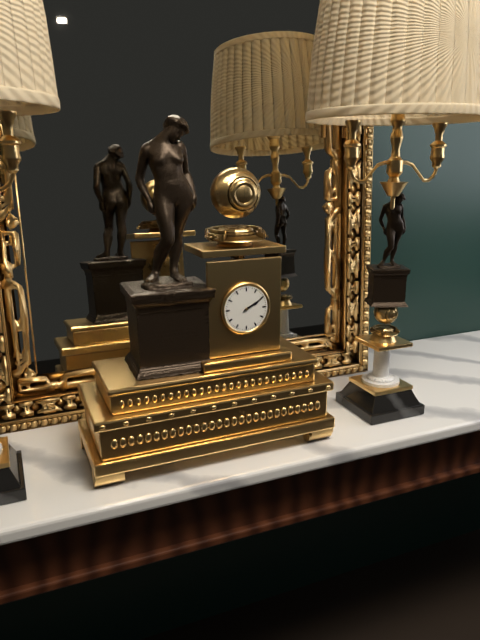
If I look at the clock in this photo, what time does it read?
2:10
